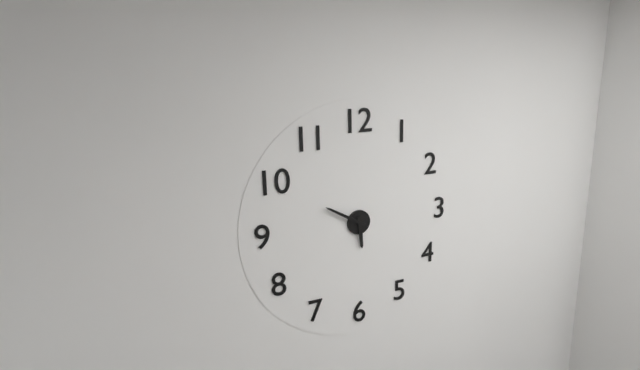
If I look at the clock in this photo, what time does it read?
5:50
